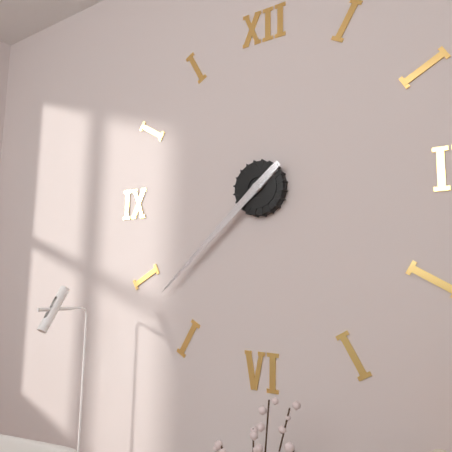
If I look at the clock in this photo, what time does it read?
7:38
